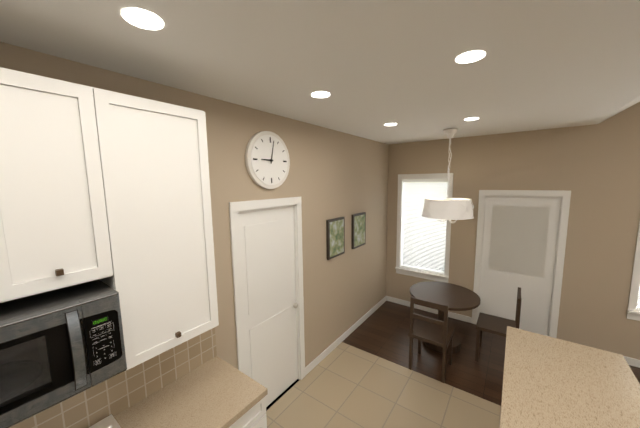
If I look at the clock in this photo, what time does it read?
9:02
